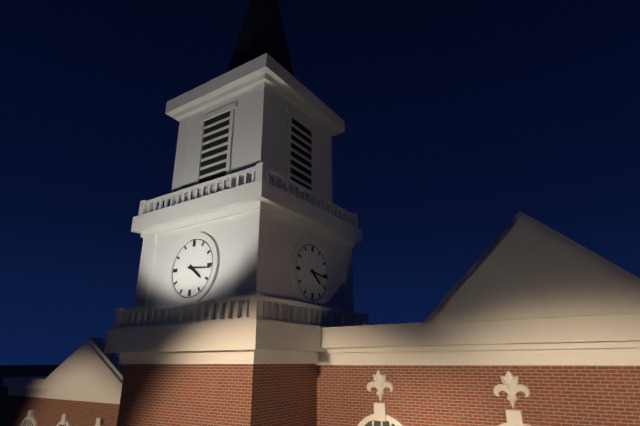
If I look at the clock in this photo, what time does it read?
4:16
